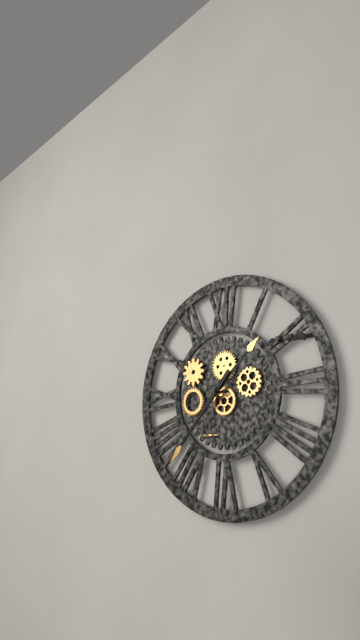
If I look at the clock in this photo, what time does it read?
1:37
